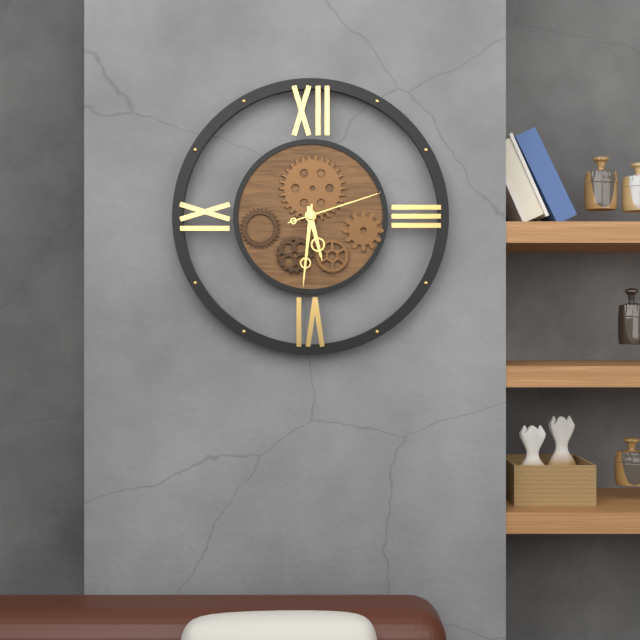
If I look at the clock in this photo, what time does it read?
5:31:12
